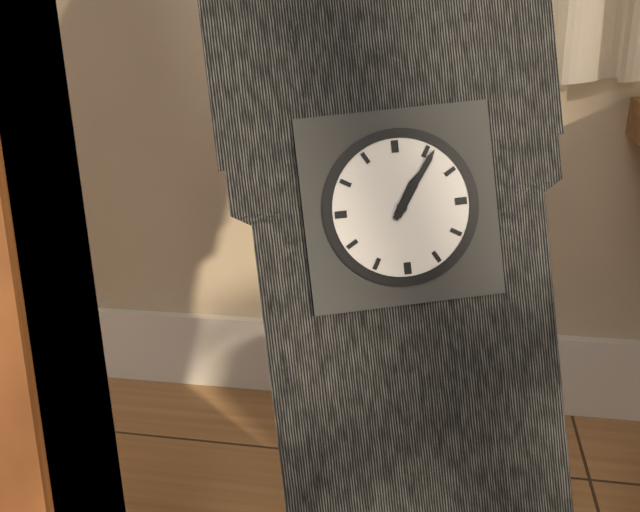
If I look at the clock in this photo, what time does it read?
1:06
